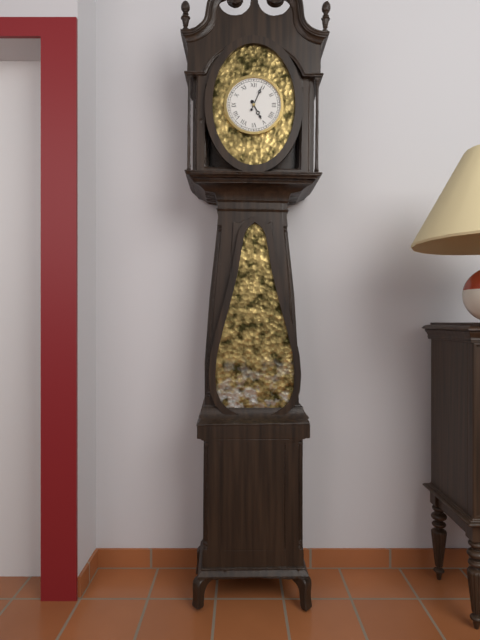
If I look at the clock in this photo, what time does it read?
5:04
